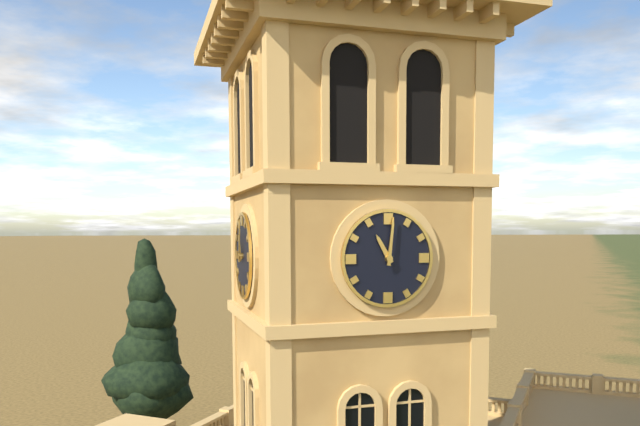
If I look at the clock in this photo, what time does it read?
11:01
